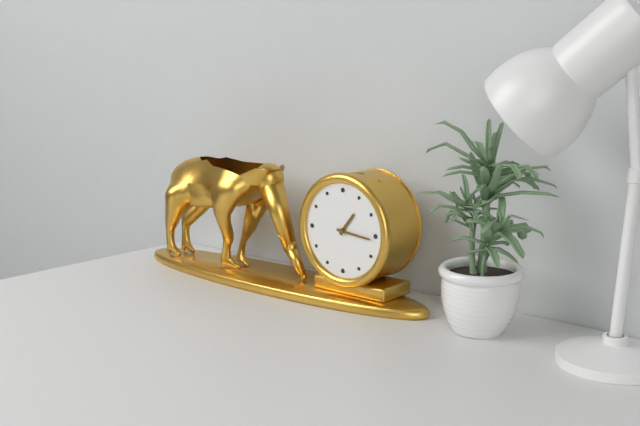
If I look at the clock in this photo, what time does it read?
1:16
